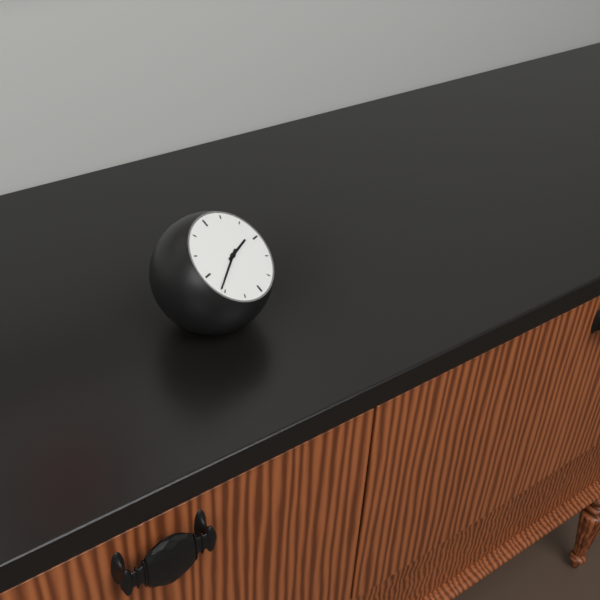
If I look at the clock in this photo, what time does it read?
2:41
